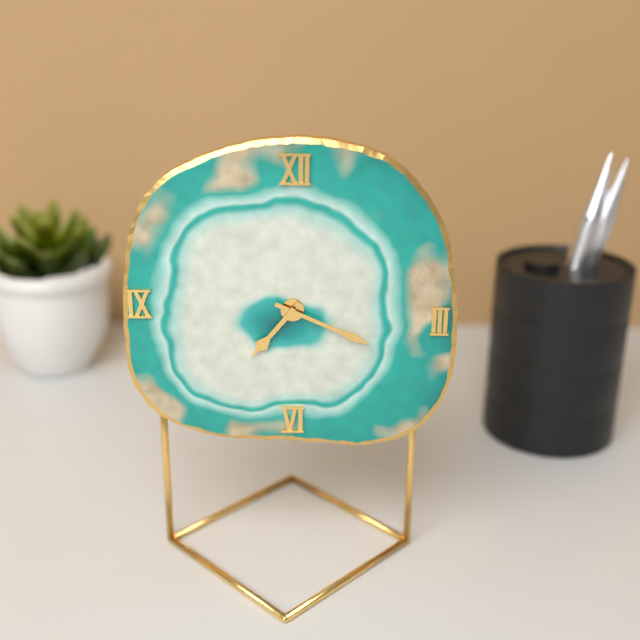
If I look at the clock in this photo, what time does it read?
7:19
